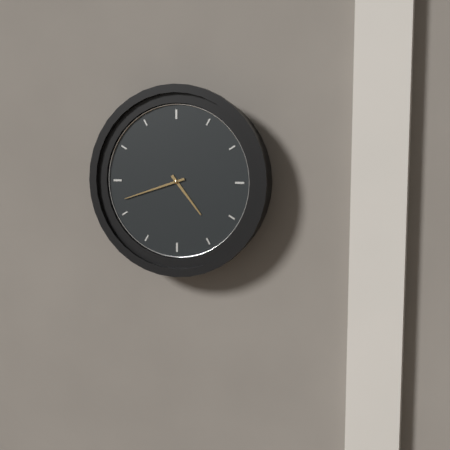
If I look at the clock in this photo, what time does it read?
4:42
